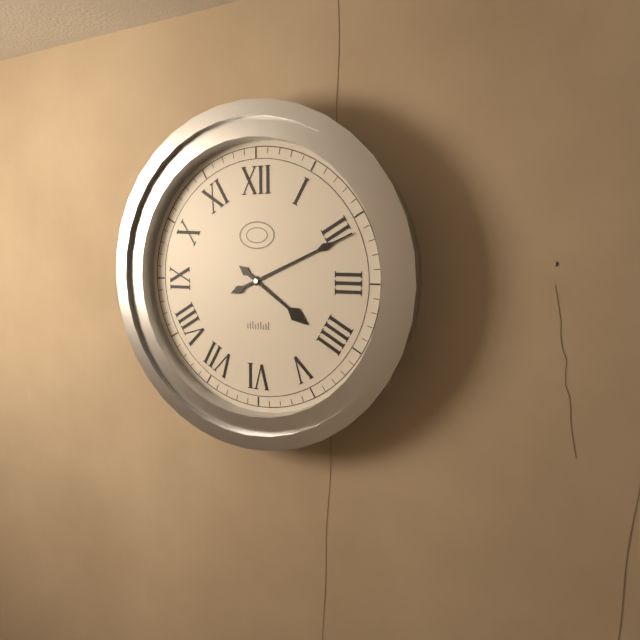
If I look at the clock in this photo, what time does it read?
4:11
